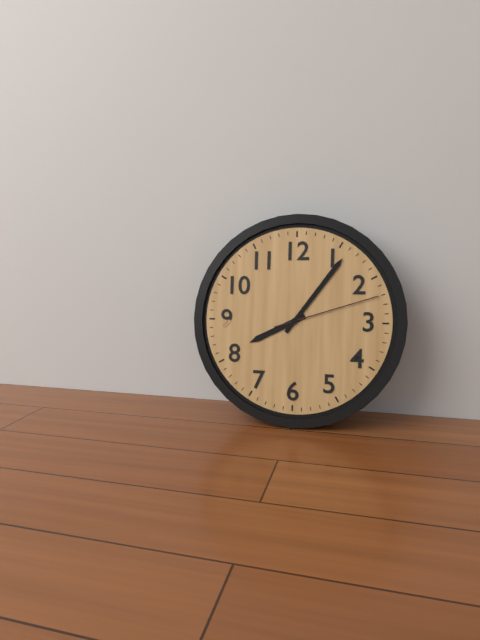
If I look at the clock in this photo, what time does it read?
8:06:12
